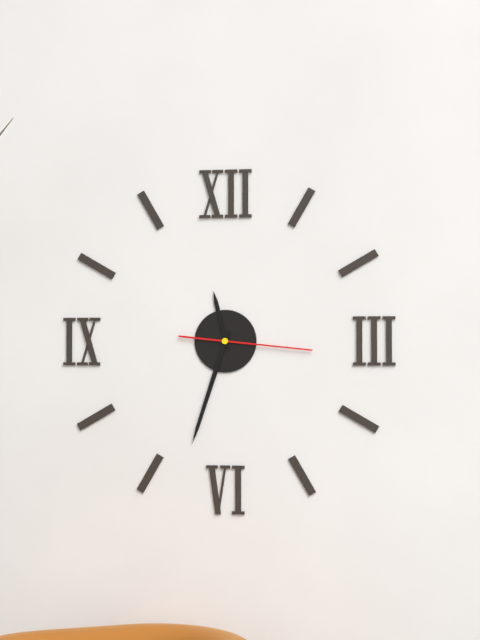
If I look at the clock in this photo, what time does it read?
11:33:16
